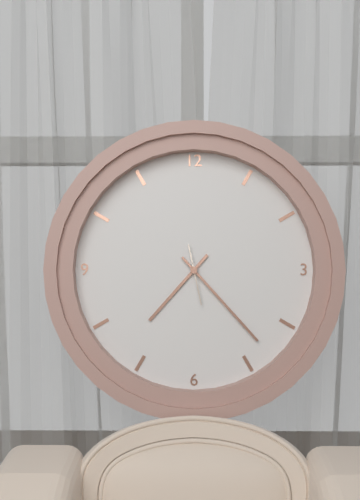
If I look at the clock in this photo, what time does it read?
7:23
